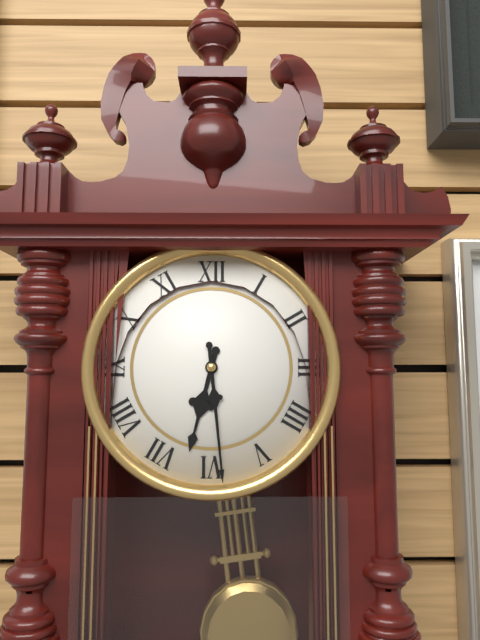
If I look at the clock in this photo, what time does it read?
6:29
